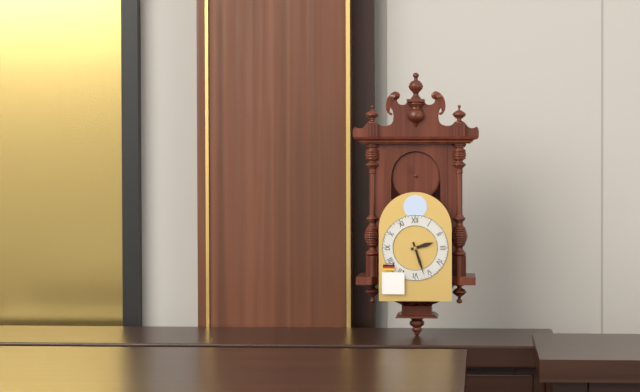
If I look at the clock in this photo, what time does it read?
2:27
